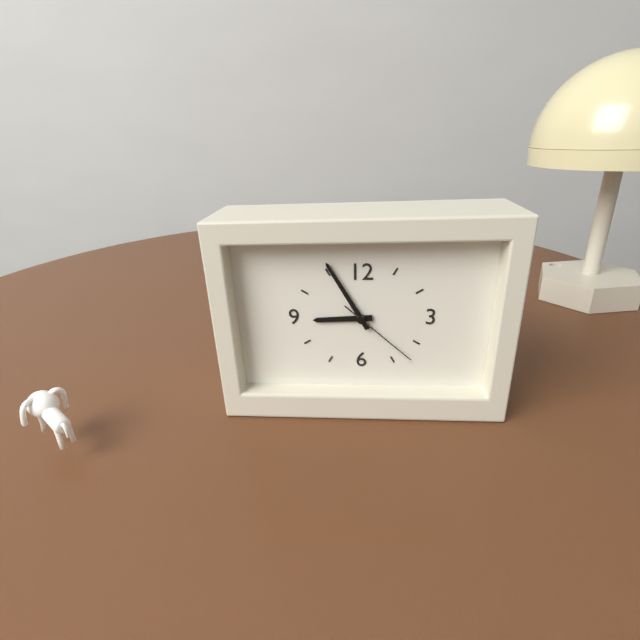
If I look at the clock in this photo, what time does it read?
8:55:22
